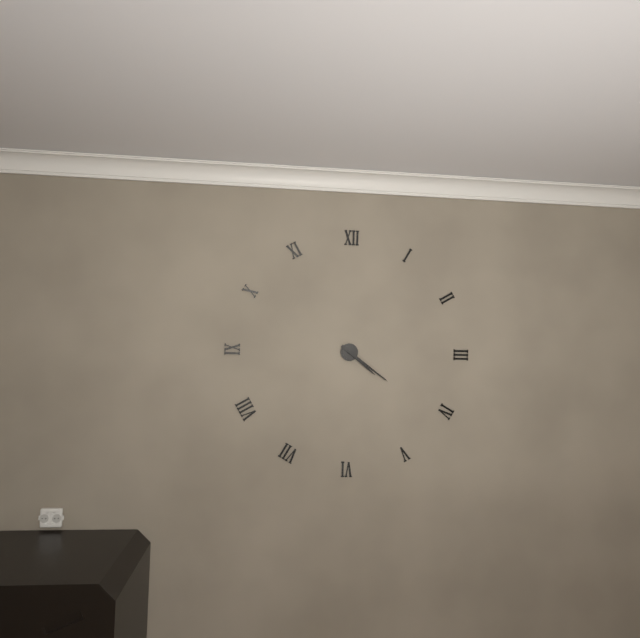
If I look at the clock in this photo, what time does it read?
4:21
